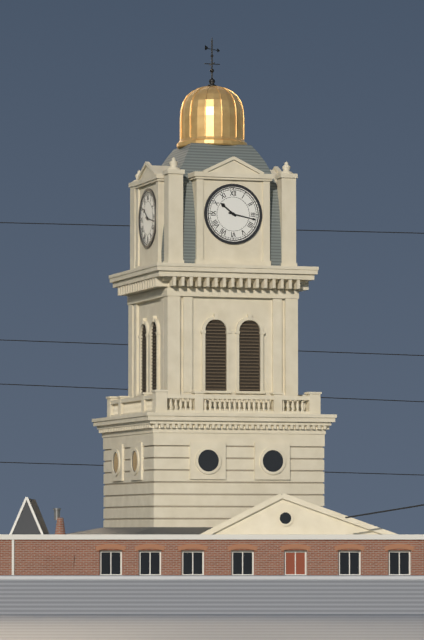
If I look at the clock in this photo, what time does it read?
10:17
